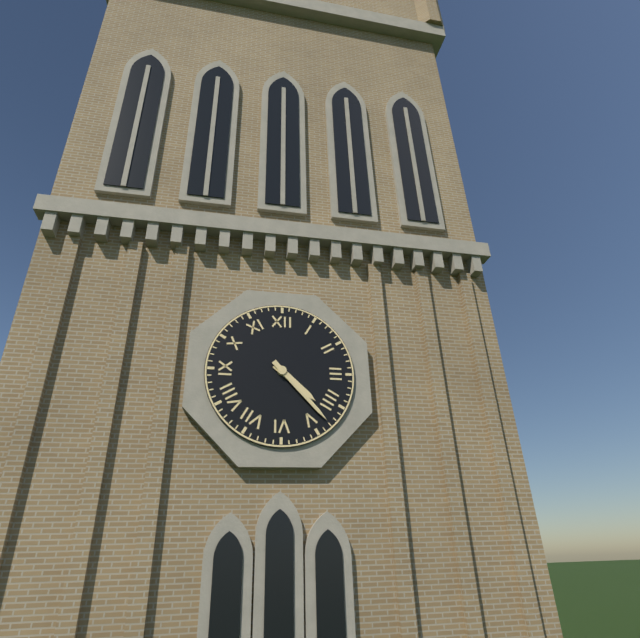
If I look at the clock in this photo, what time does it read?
4:23
